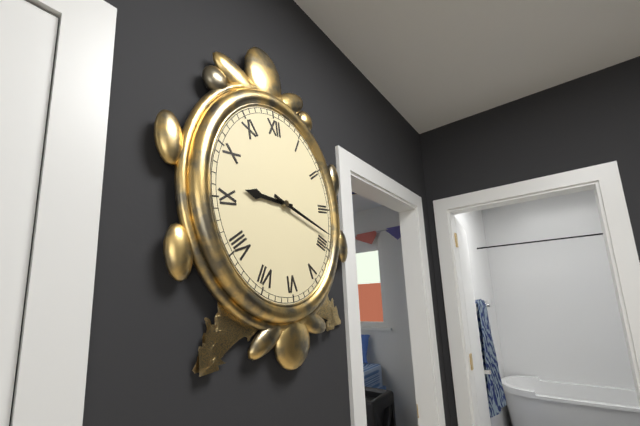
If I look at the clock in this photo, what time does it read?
9:19
